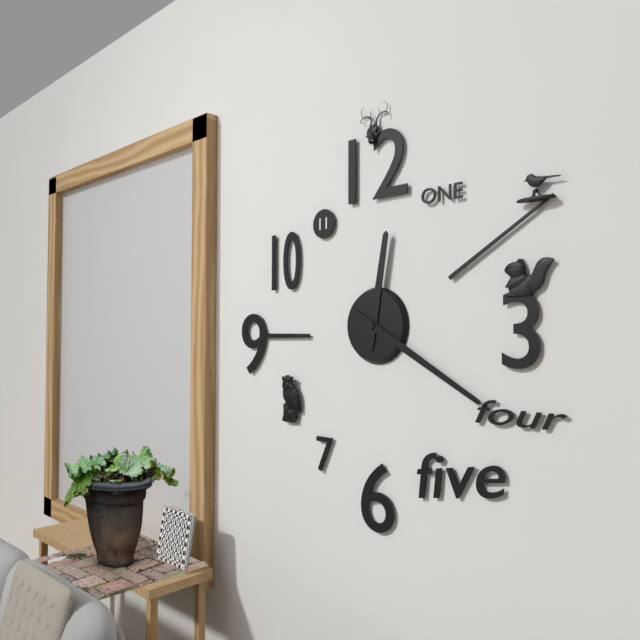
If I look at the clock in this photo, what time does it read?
12:20
